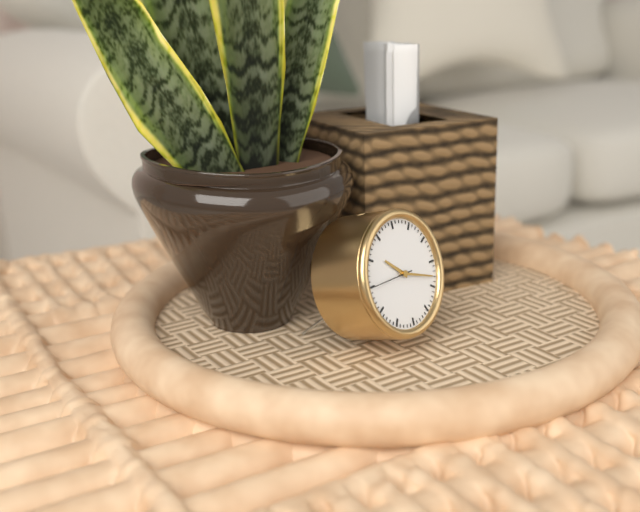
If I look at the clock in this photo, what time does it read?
10:18
